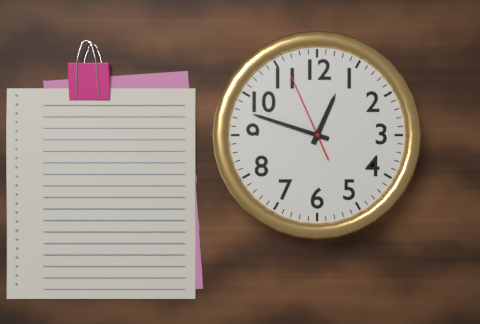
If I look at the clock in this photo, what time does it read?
12:48:56
